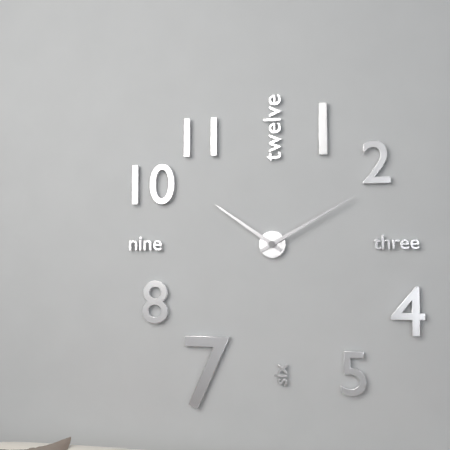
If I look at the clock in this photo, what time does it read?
10:10
